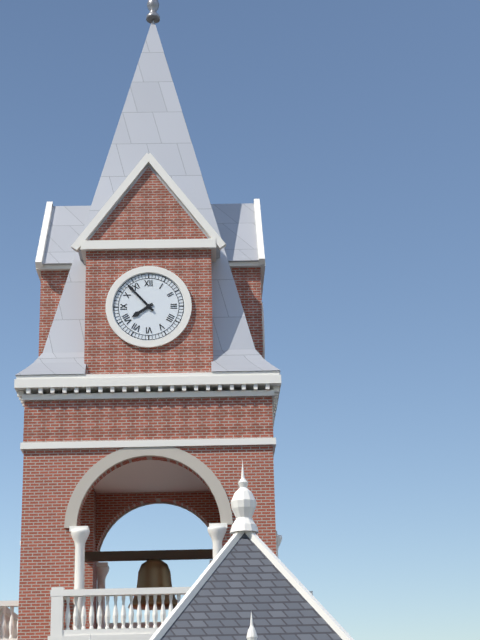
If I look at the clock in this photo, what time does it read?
7:53
